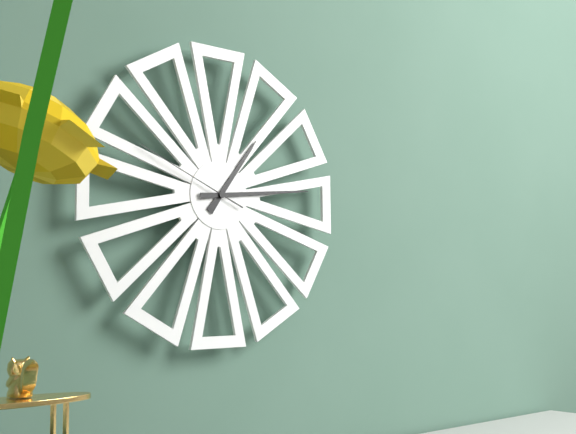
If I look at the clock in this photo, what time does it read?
1:14:49
